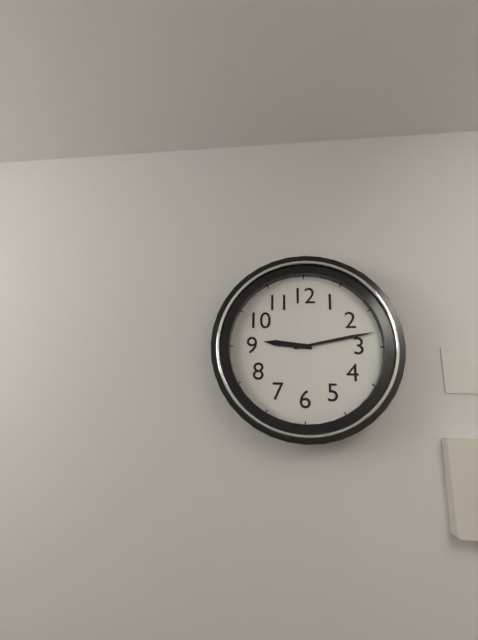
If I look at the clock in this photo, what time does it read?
9:13
